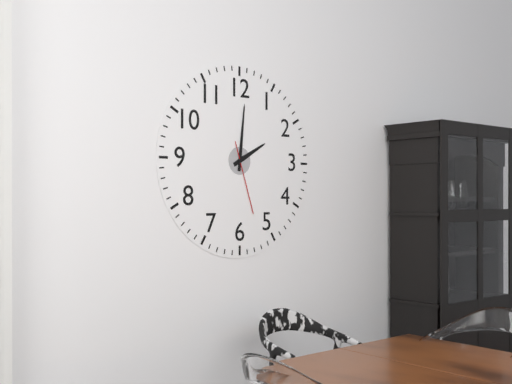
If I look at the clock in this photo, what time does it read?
2:01:27
